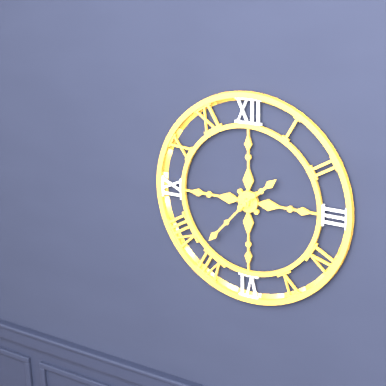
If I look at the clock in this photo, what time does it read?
1:37
